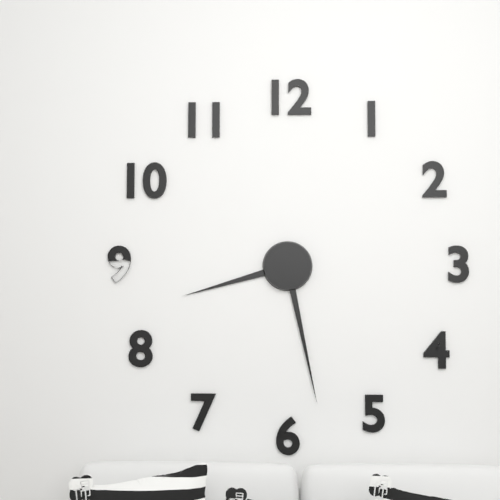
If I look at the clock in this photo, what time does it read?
8:28
